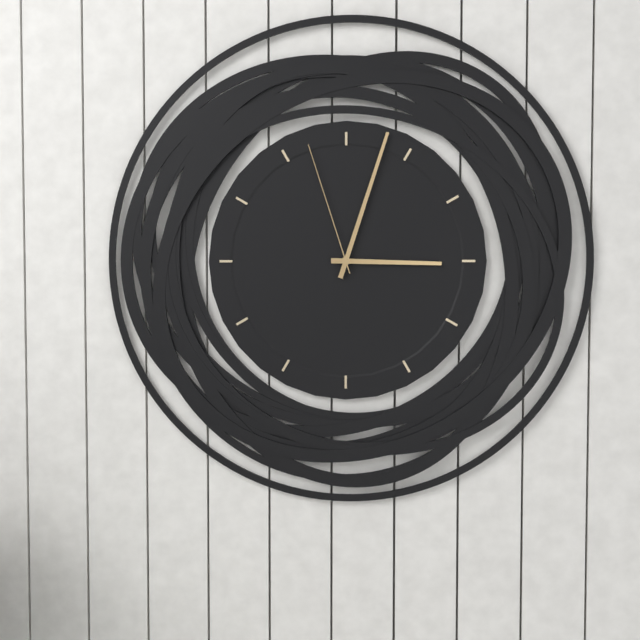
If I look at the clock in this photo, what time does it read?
3:03:57
